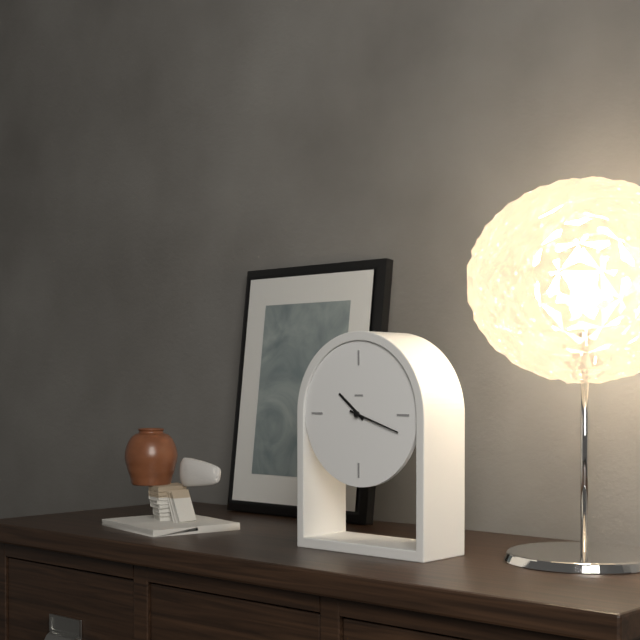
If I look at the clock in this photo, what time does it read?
10:18
